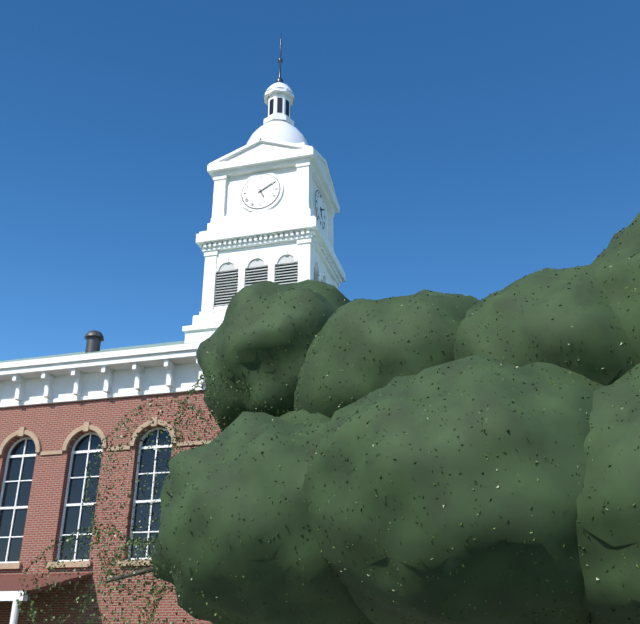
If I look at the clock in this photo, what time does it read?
5:10
